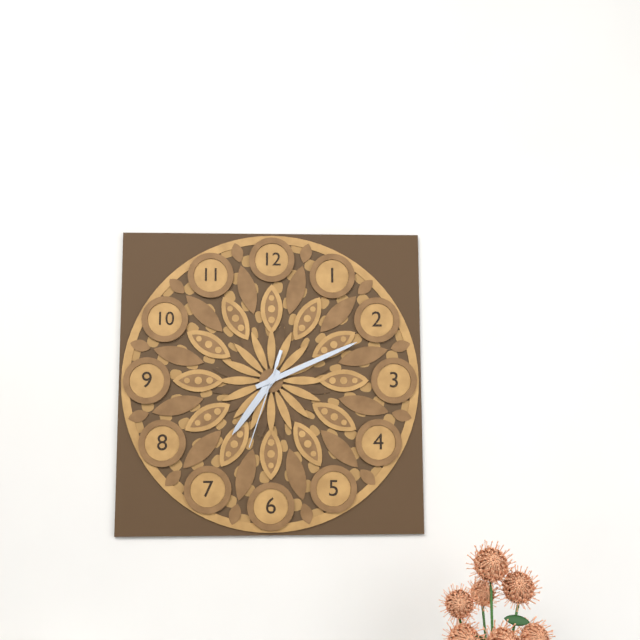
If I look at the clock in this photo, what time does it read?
7:11:33
